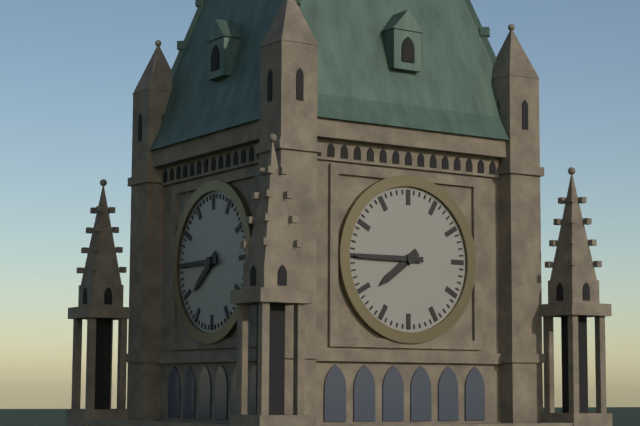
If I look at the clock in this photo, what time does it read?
7:45
